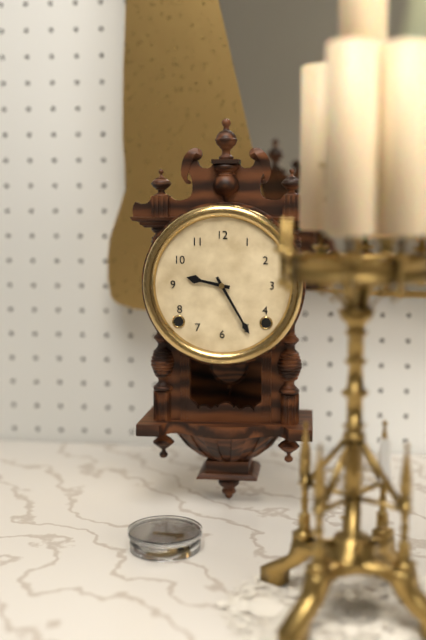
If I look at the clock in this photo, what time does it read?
9:25
